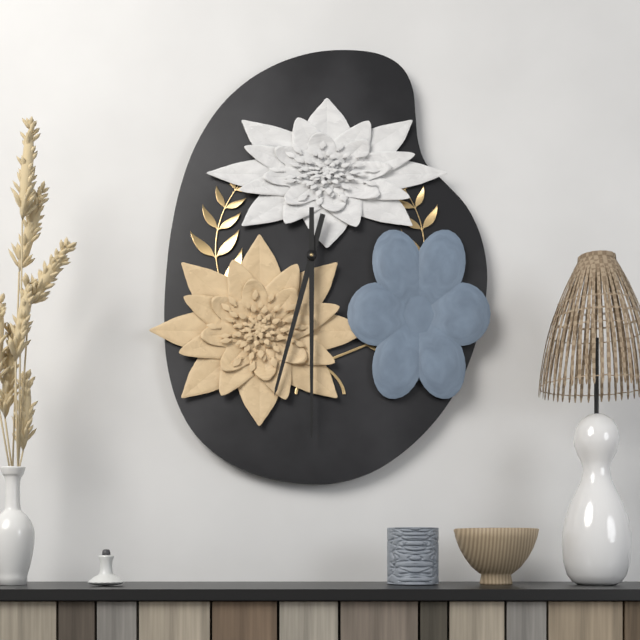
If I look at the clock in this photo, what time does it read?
6:30
